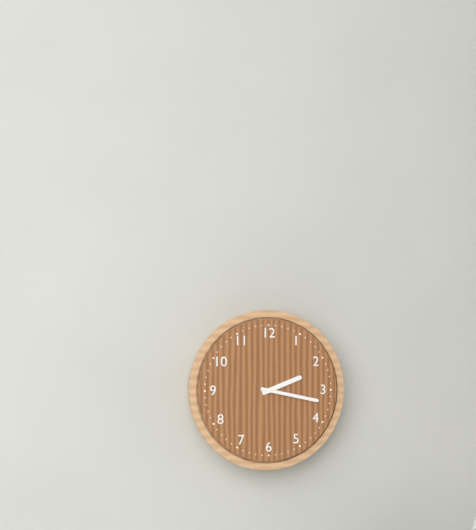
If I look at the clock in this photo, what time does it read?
2:17
